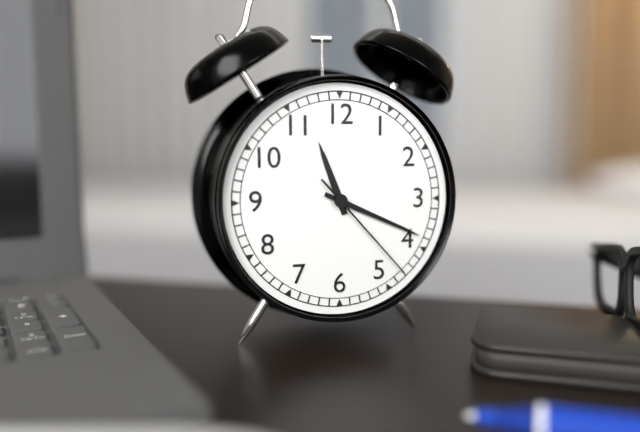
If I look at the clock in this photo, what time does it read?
11:19:23
